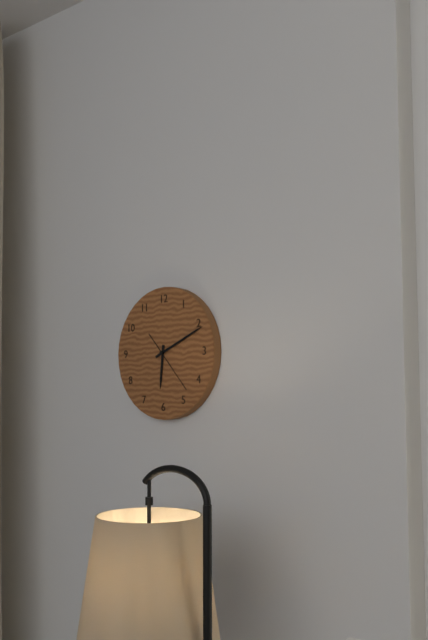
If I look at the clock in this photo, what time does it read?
6:11:23
